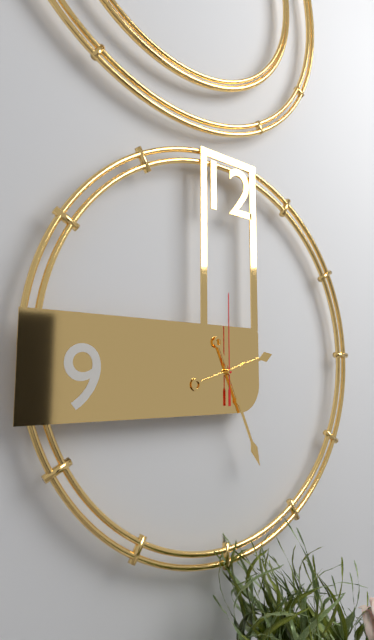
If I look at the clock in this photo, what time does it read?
2:26:00
